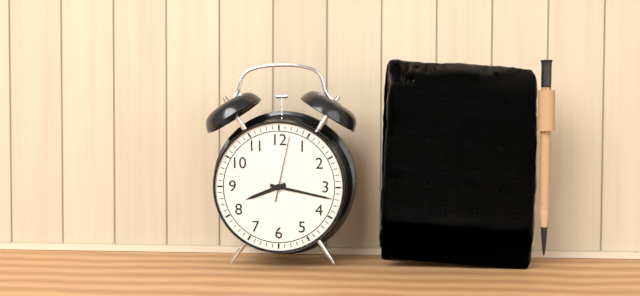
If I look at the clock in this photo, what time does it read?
8:17:02
